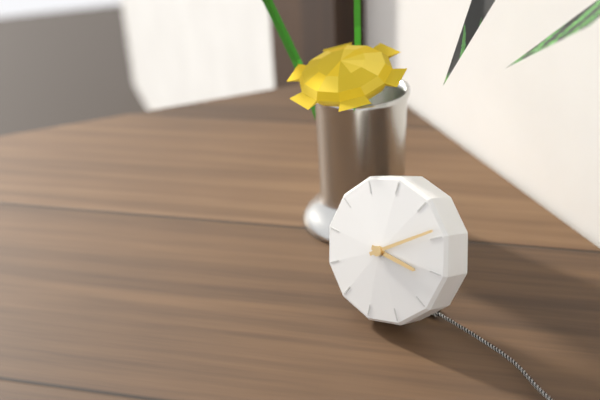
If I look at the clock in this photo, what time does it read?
3:09
